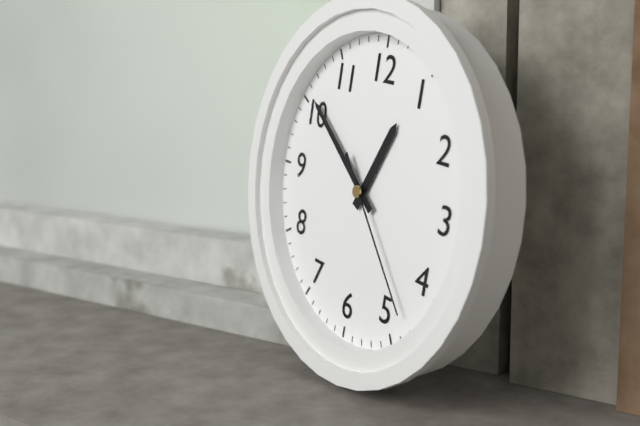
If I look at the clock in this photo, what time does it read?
12:51:23
